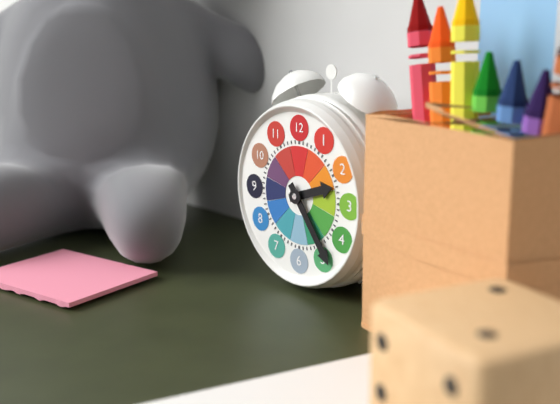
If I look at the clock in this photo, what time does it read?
2:24
